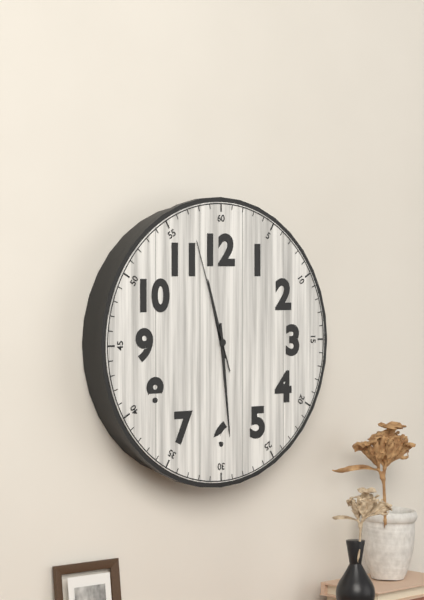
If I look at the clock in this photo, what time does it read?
11:29:57
